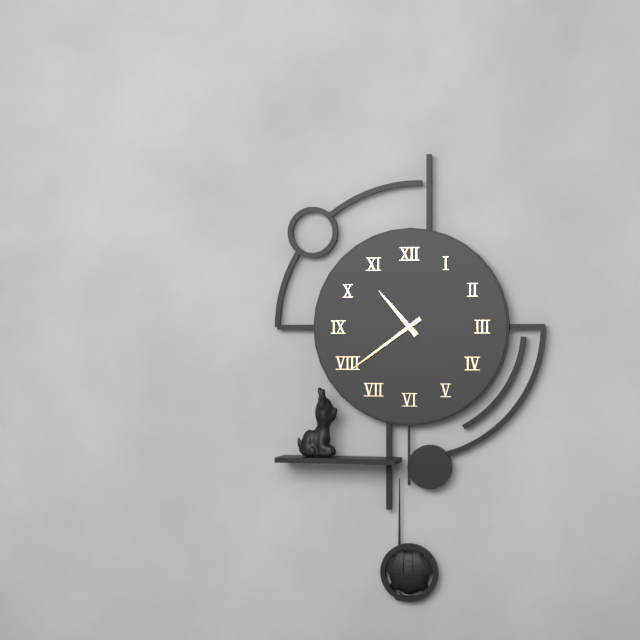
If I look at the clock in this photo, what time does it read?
10:39
